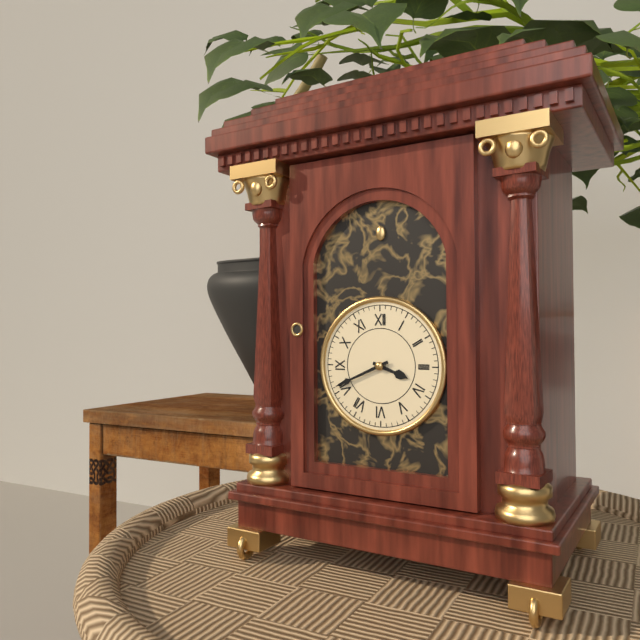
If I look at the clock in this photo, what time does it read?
3:41
